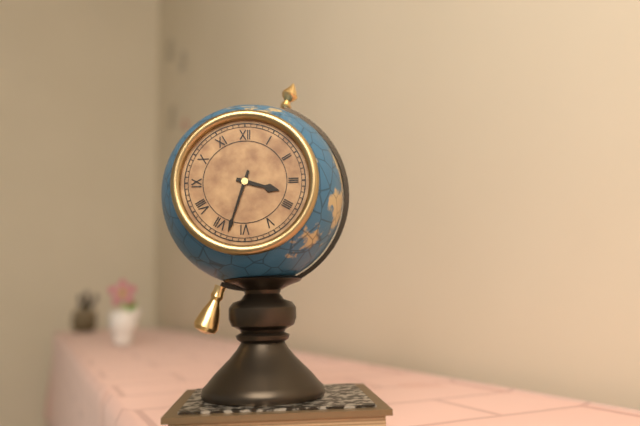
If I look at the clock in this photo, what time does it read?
3:33
